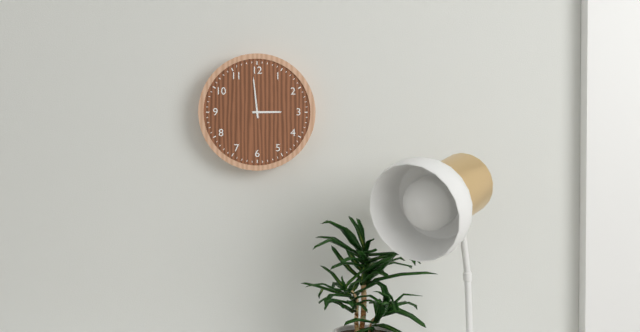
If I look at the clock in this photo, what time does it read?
2:59
